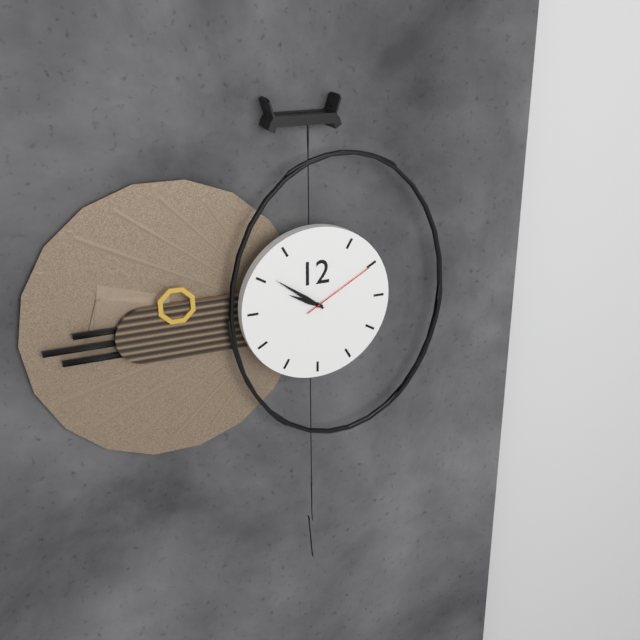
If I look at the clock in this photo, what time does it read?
9:51:10
